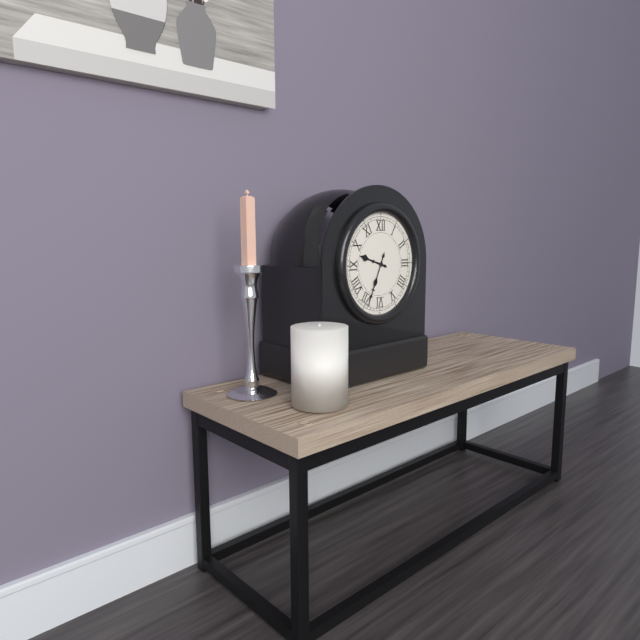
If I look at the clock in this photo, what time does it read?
9:34
